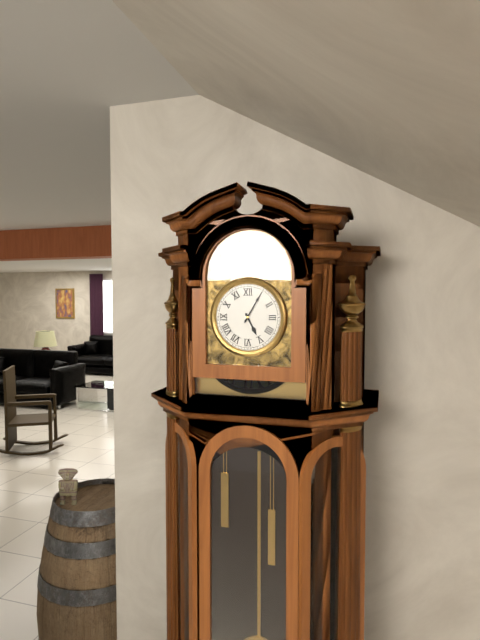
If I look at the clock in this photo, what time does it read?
5:05
